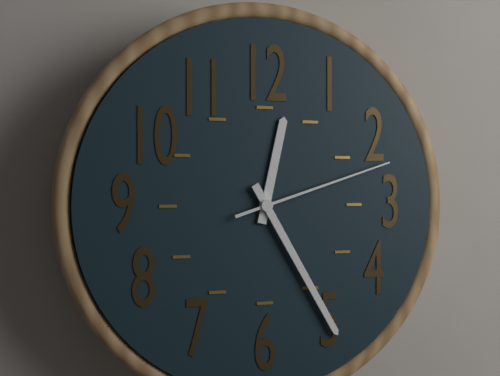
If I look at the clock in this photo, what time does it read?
12:25:12
